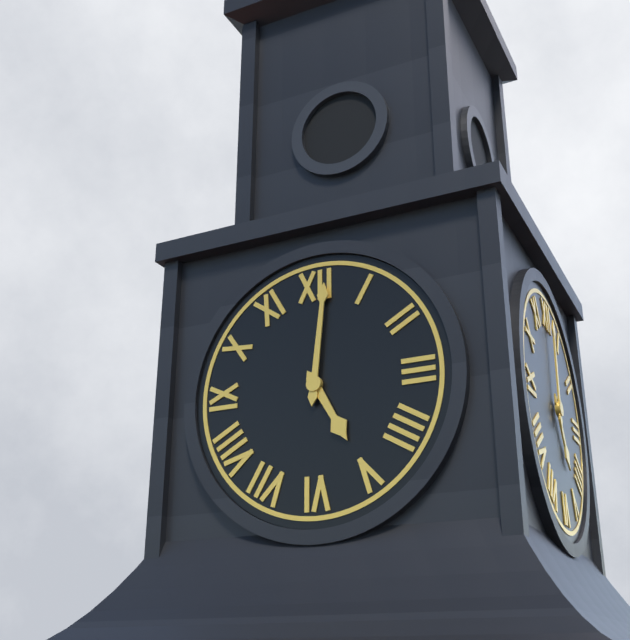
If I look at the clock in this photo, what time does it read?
5:01
